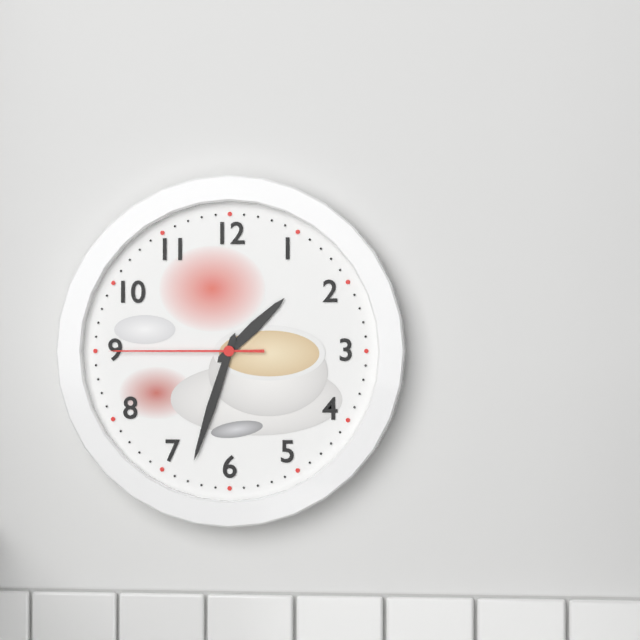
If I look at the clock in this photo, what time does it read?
1:33:45
